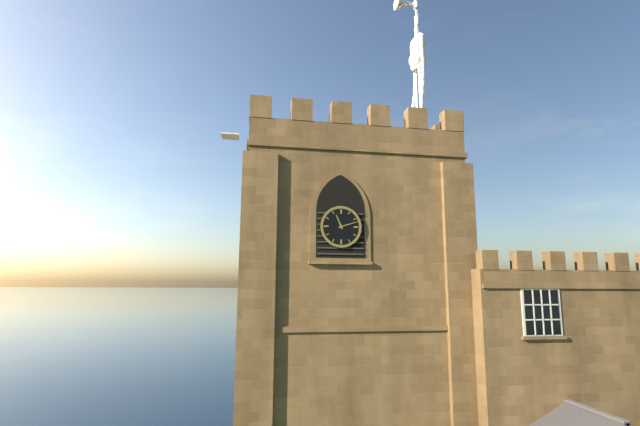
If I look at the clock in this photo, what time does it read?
11:12
